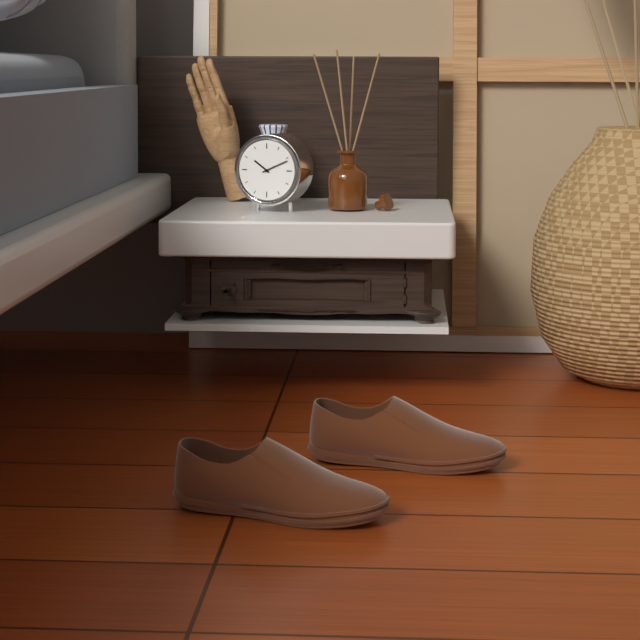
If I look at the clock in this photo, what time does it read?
10:11
